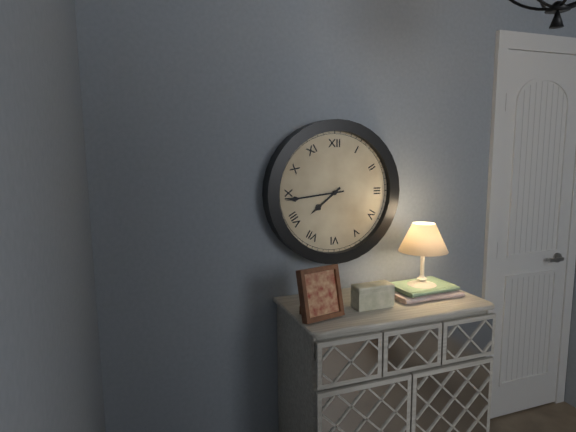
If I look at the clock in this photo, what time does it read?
7:44
